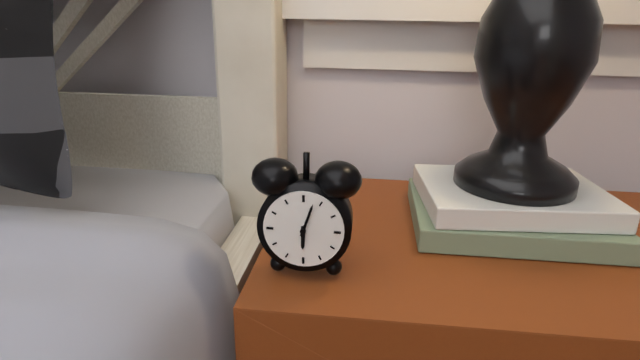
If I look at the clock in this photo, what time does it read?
6:03
